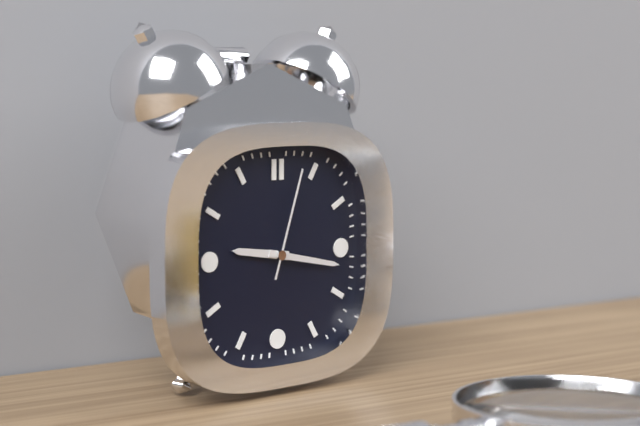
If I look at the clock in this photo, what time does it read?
9:17:03
